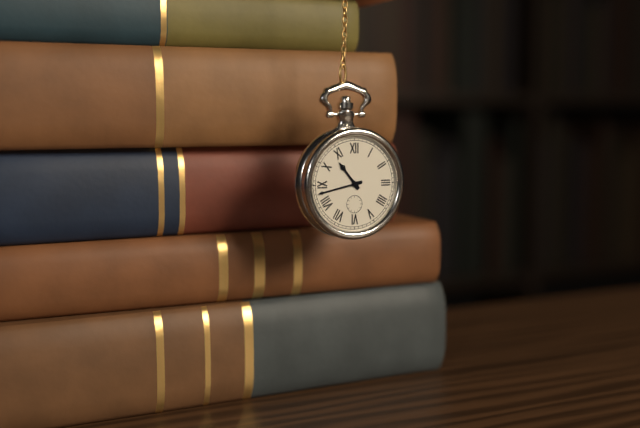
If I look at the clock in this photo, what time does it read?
10:43
